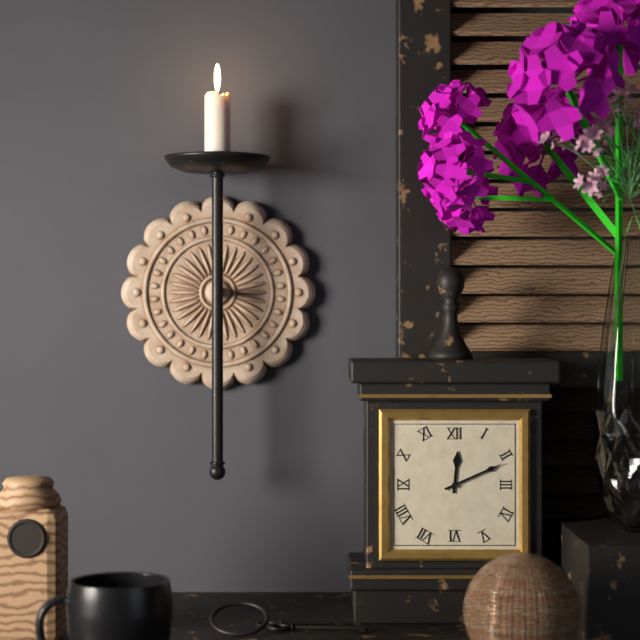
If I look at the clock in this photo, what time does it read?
12:11
